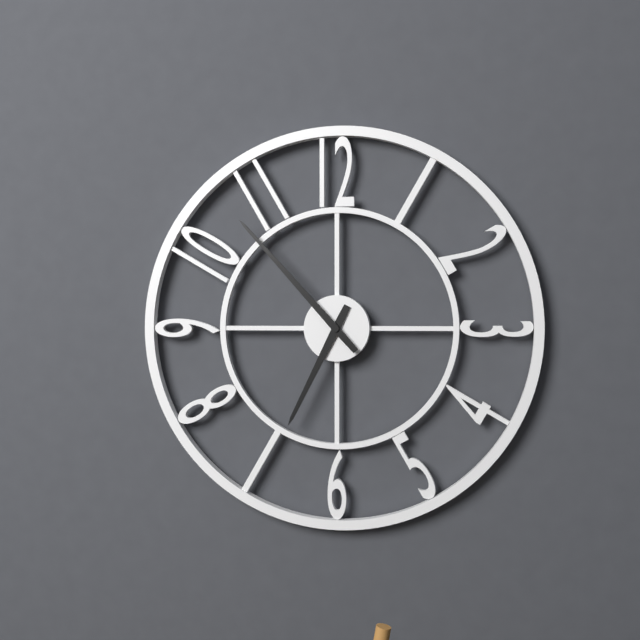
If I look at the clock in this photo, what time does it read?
6:53
